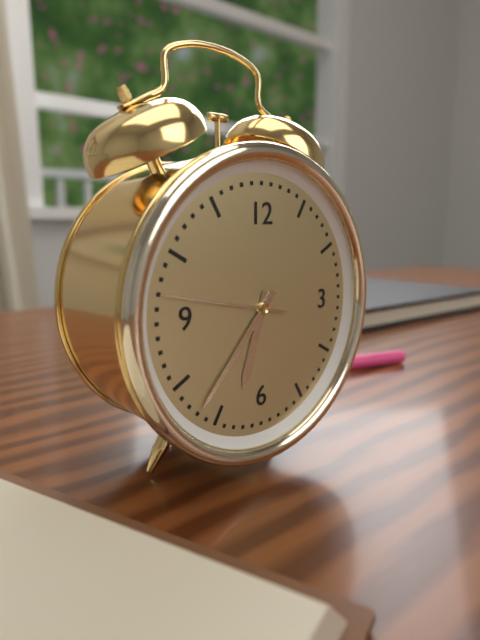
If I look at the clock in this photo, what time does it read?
6:37:47
